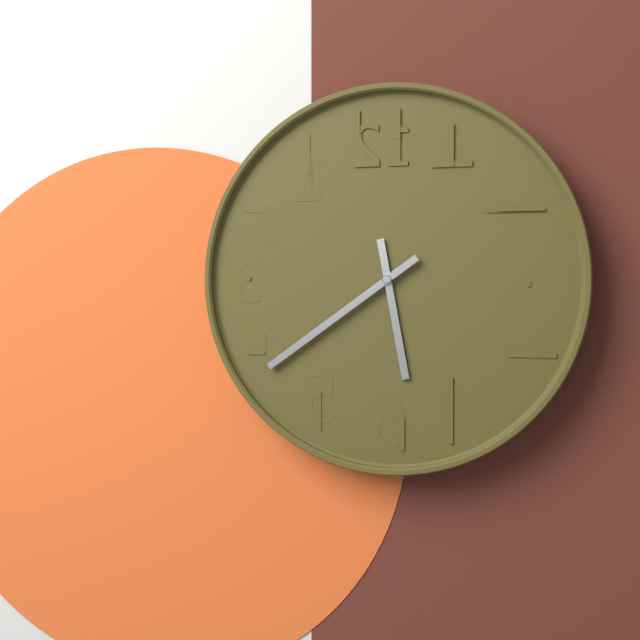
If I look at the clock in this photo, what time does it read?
5:39
